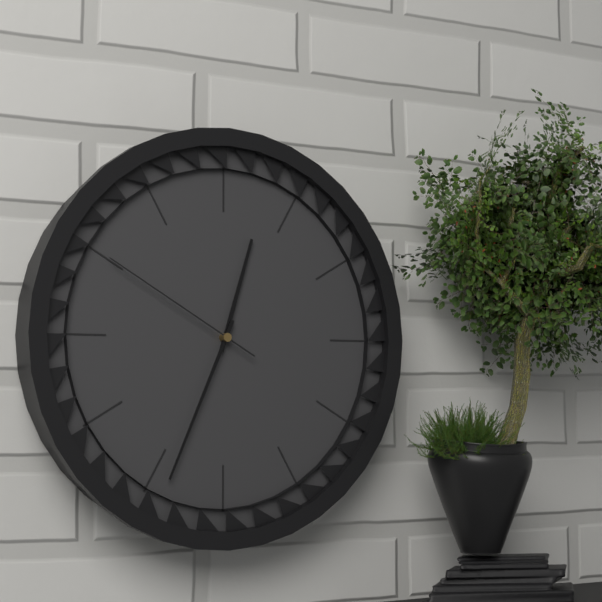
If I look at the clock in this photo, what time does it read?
12:34:50
